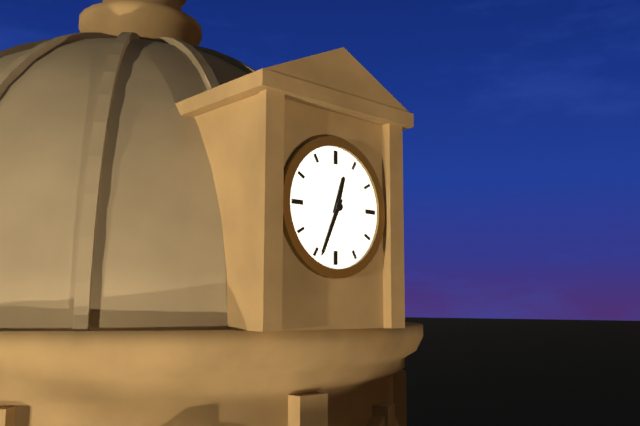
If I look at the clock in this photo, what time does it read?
12:34
